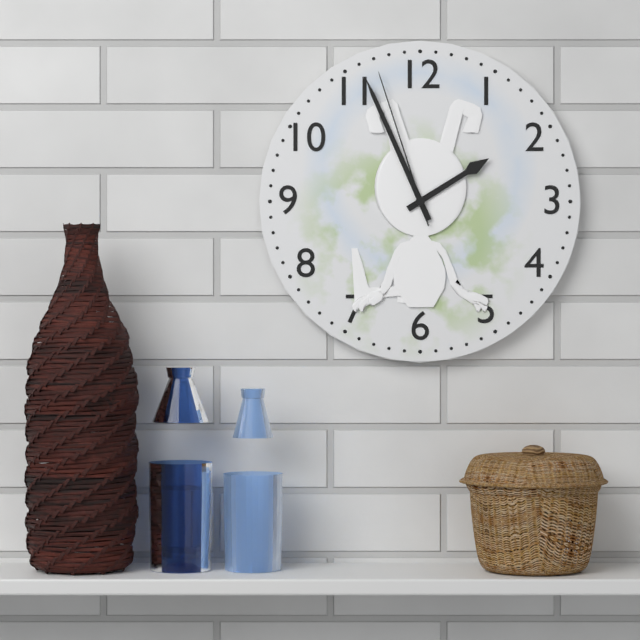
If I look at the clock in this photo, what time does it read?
1:56:57
